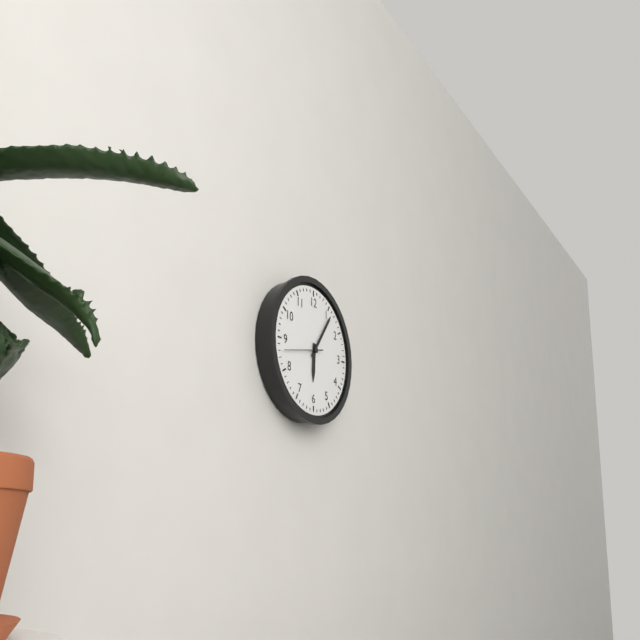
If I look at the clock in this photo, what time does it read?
6:06
